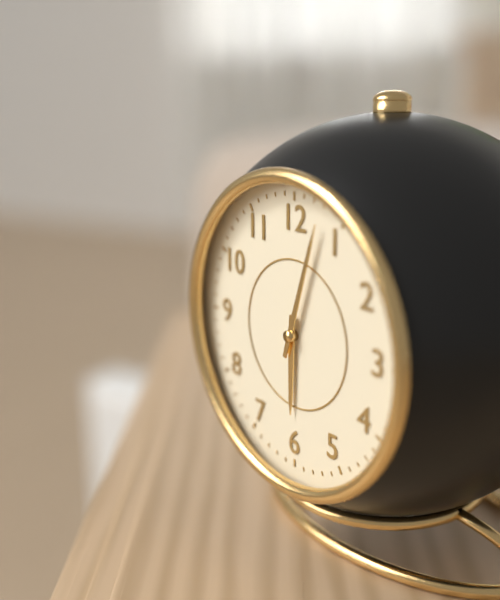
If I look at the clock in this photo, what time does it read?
6:03
